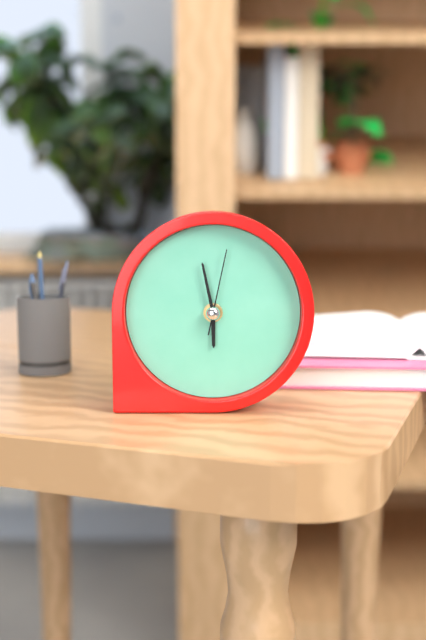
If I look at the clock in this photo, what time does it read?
5:58:02
